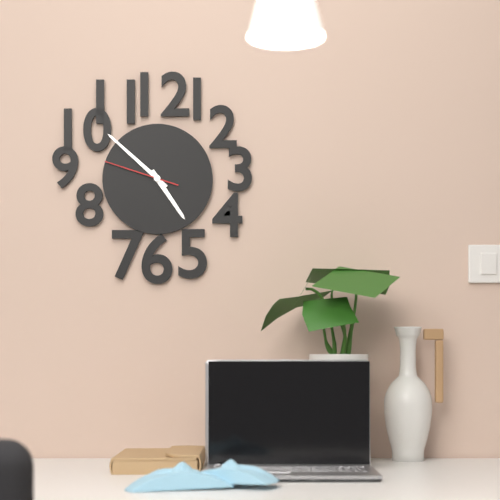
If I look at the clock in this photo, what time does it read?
4:52:48
